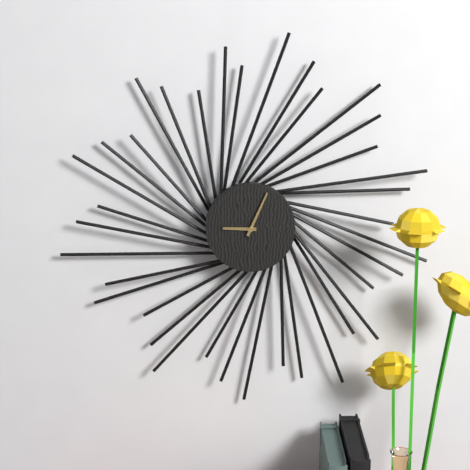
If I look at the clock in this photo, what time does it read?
9:04
